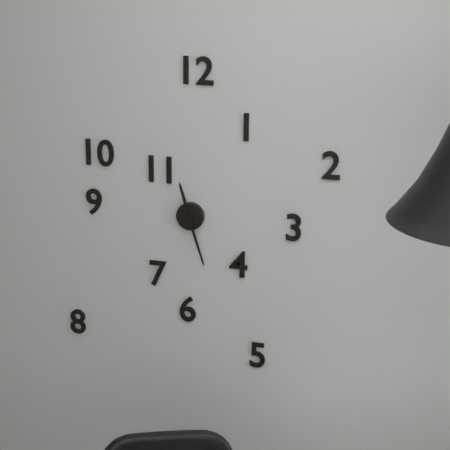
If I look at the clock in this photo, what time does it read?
11:27
